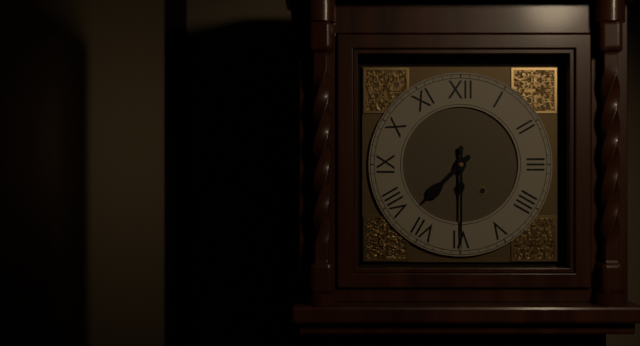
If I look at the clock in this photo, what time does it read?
7:30
